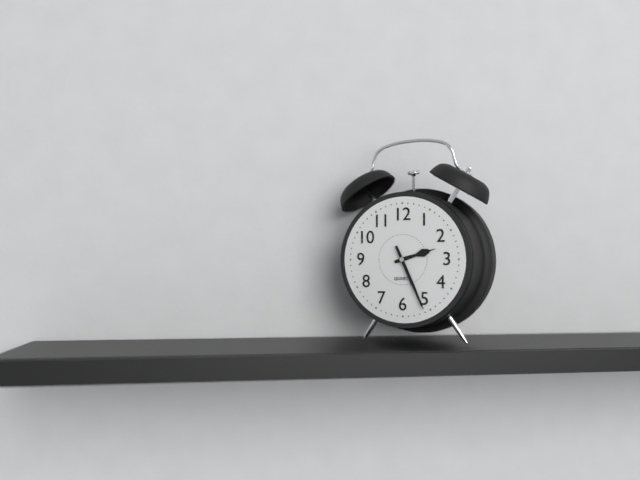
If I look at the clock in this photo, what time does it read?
2:26
